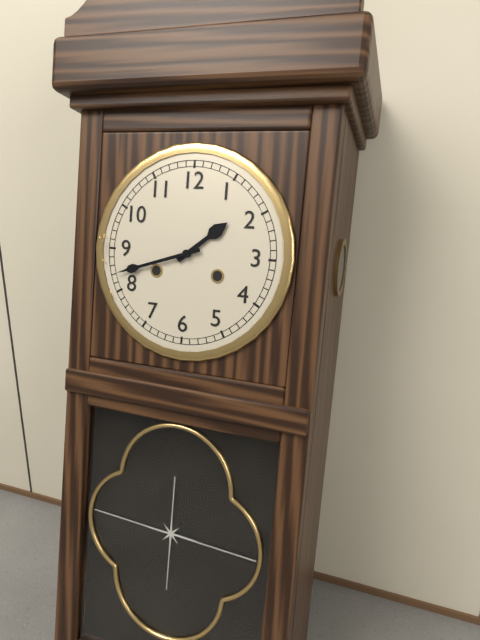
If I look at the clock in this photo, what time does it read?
1:42
